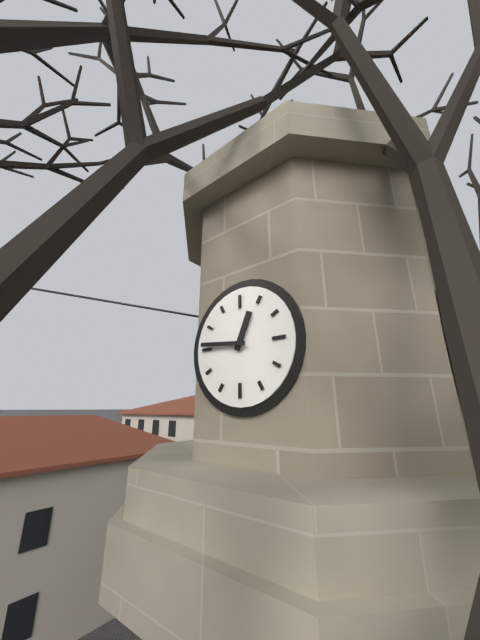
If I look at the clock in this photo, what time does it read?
12:46
